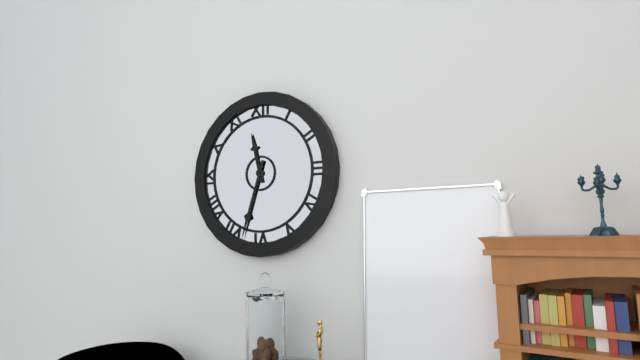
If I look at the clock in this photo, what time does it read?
11:33
